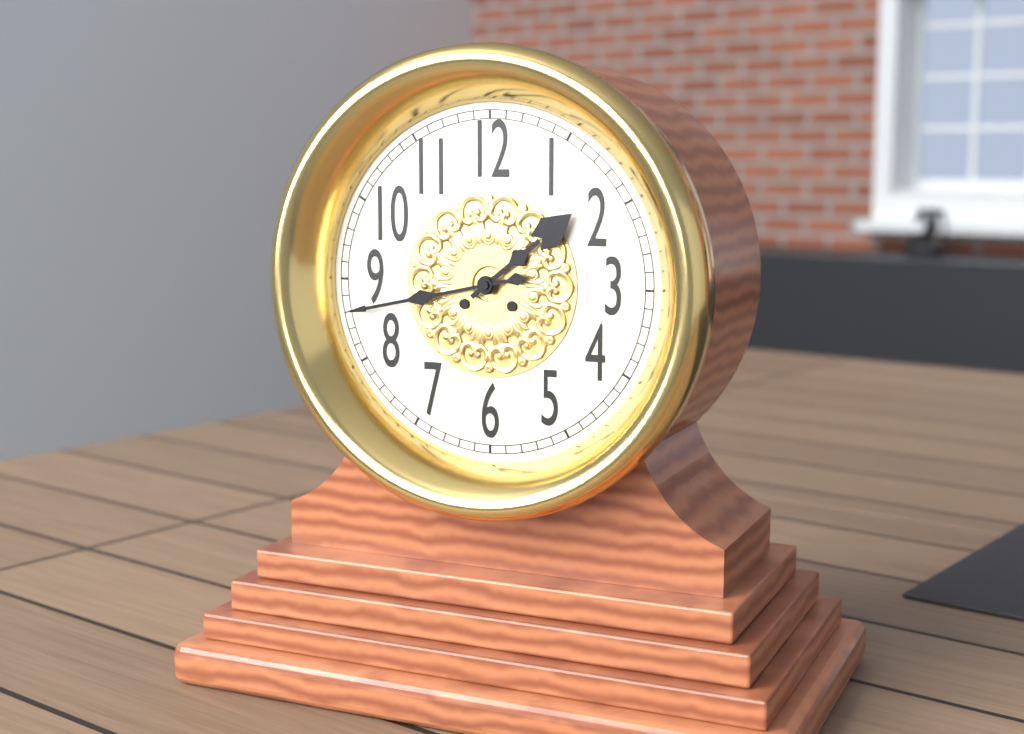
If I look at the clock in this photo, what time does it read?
1:43
